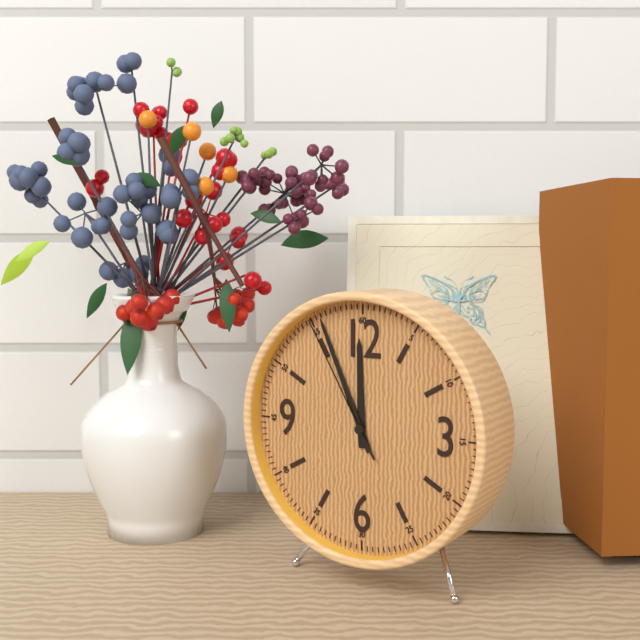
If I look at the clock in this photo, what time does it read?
11:56:55
